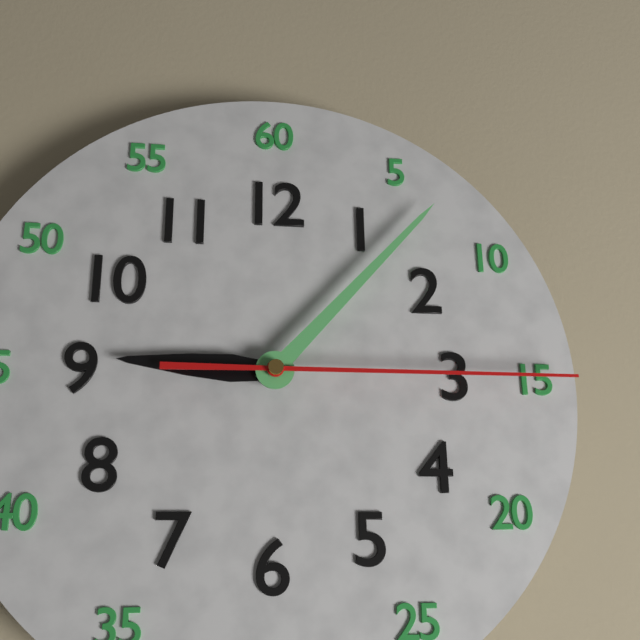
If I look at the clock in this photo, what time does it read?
9:07:15
